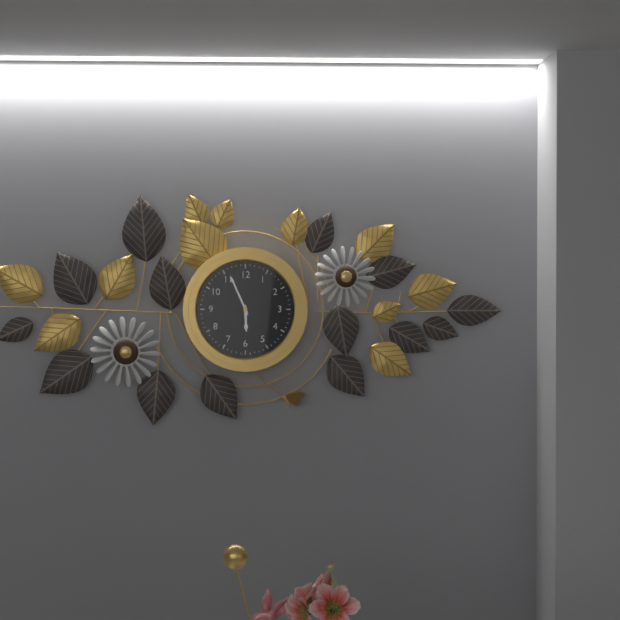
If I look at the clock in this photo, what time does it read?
5:56
